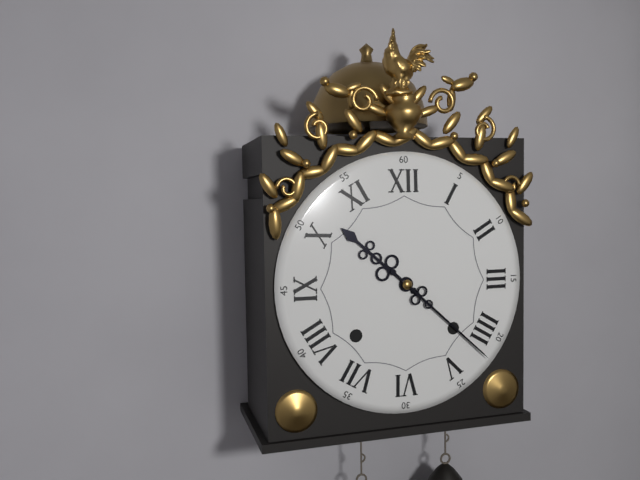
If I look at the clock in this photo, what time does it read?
10:22
